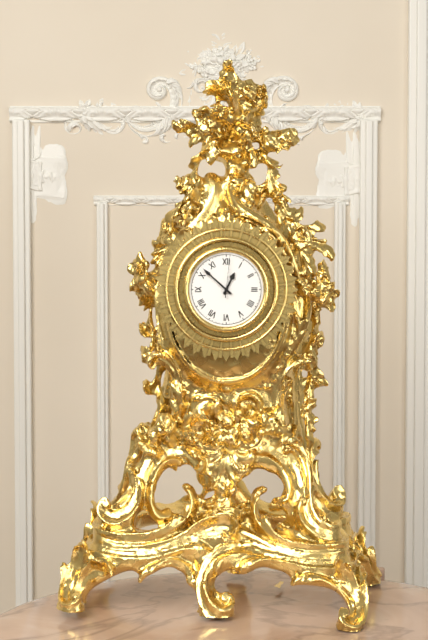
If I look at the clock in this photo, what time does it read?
12:52
